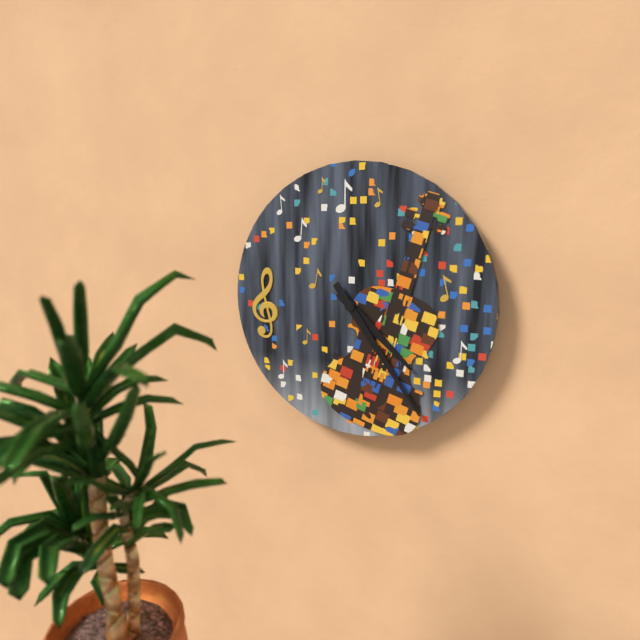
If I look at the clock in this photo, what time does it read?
4:24
